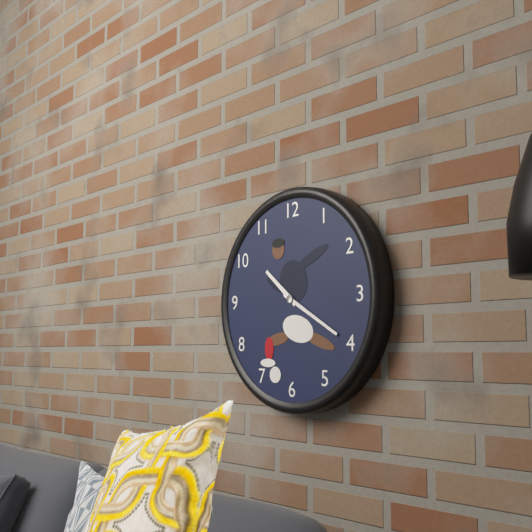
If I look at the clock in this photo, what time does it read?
10:20
